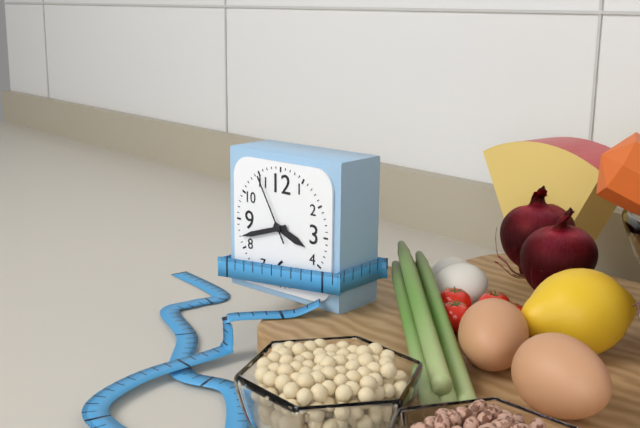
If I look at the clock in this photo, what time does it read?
3:42:55
